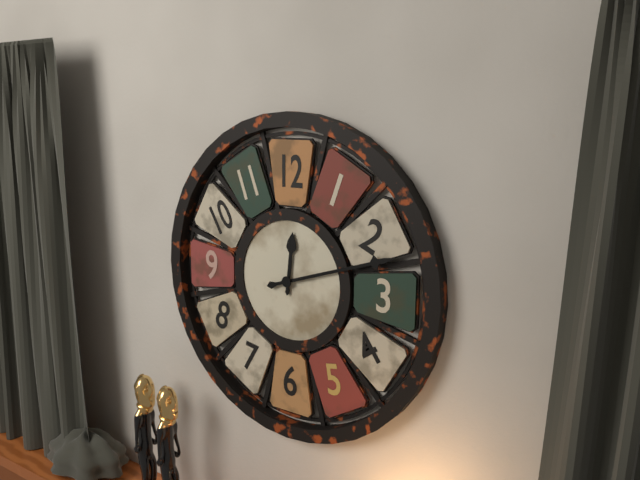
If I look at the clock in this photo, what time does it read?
12:12
